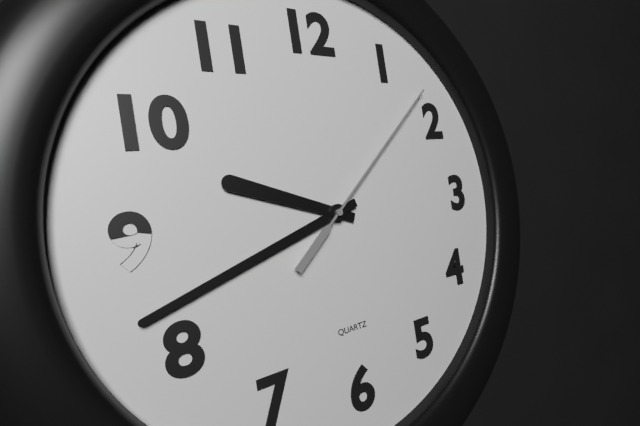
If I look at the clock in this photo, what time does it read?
9:42:08
